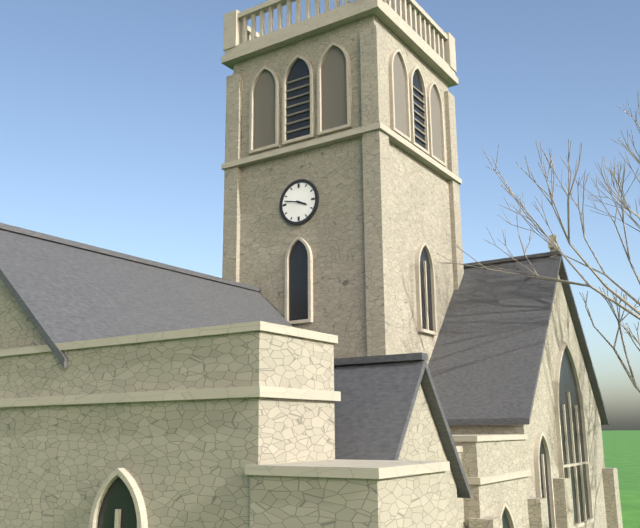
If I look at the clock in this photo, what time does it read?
3:47
